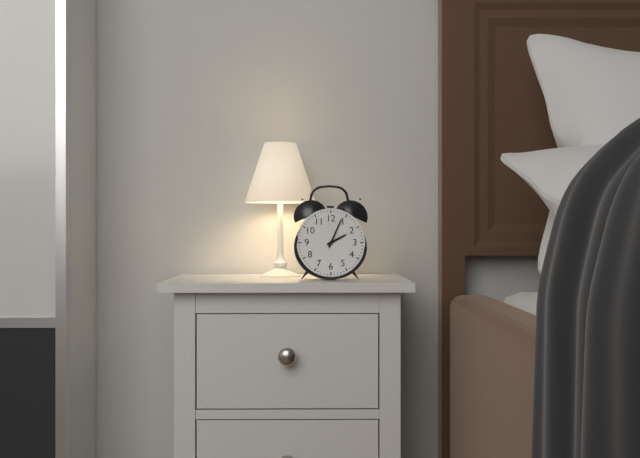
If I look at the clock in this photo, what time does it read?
2:04
